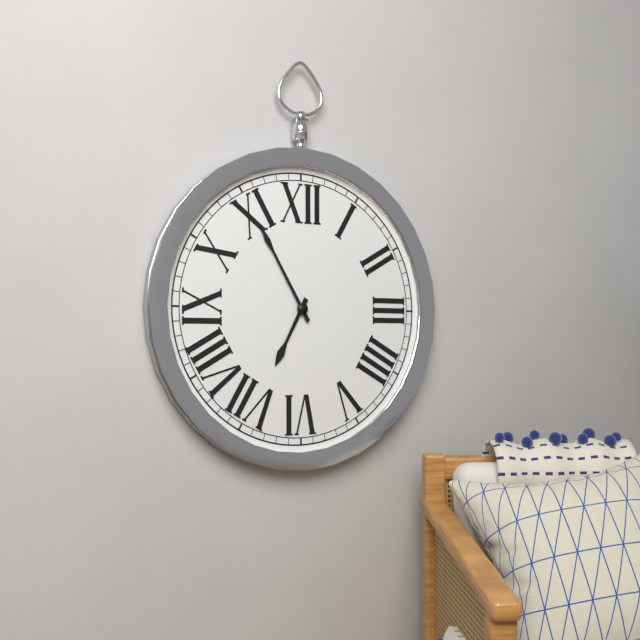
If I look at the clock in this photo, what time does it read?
6:55
